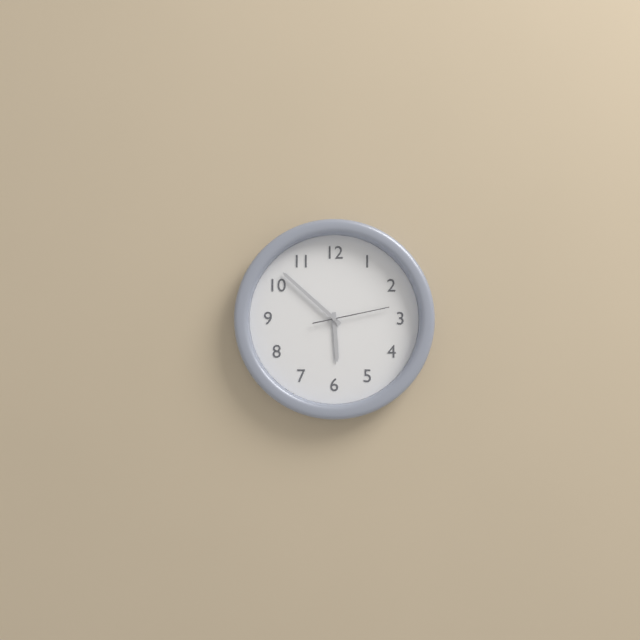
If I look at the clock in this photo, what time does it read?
5:52:13
